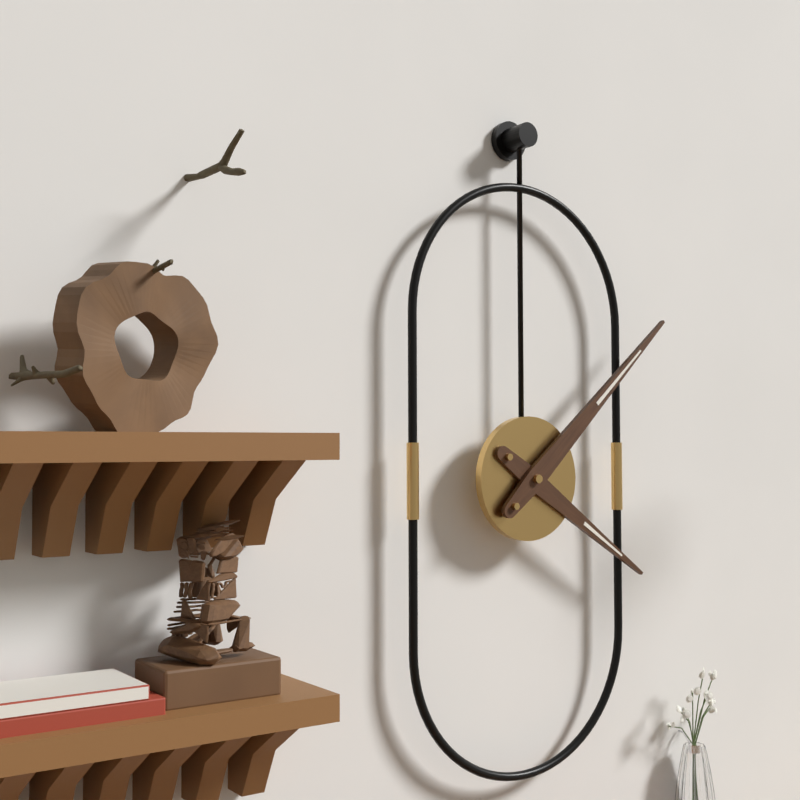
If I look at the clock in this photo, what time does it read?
4:08
